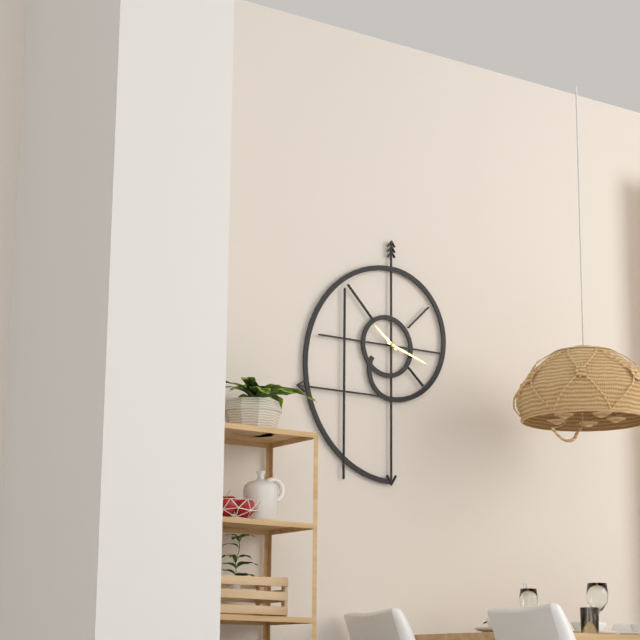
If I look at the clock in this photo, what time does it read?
10:18
